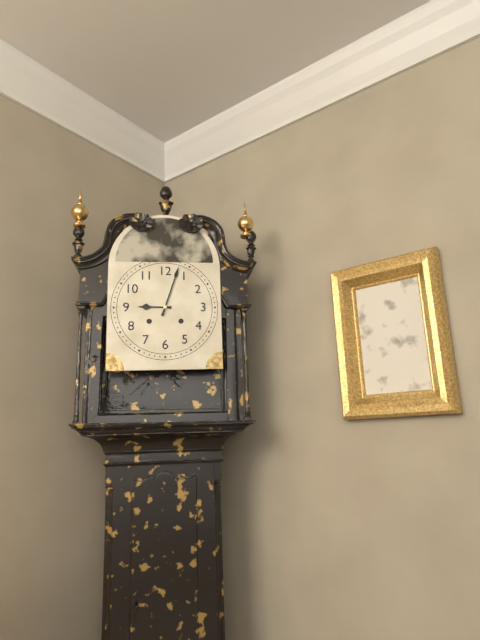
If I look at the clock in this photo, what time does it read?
9:03
